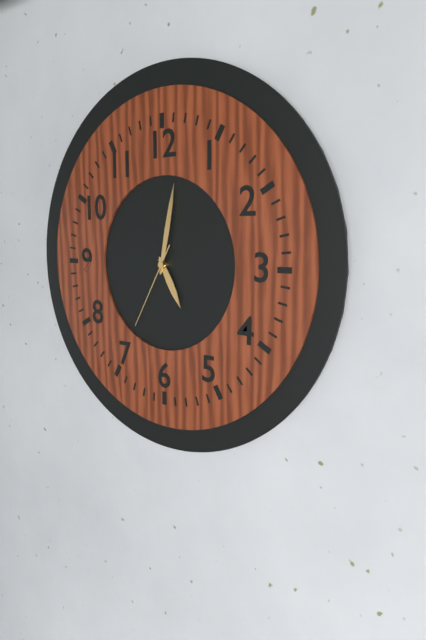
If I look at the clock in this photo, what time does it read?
5:02:35
